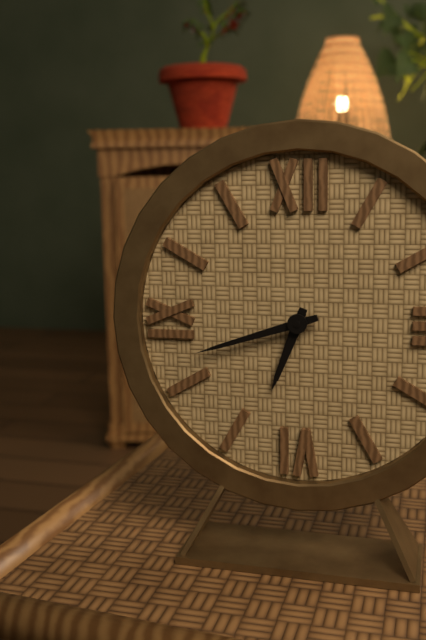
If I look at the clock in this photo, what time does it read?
6:42
